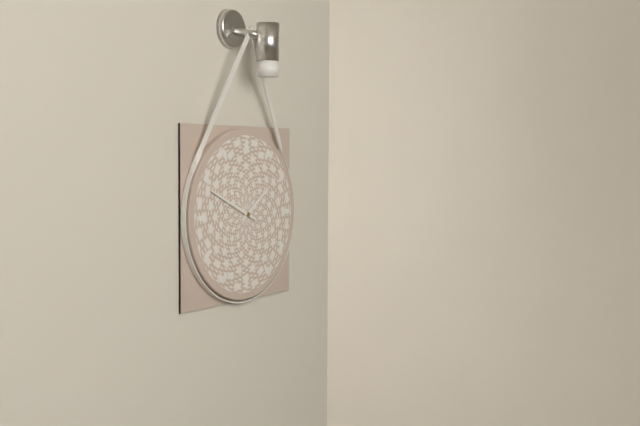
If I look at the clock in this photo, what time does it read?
1:49
